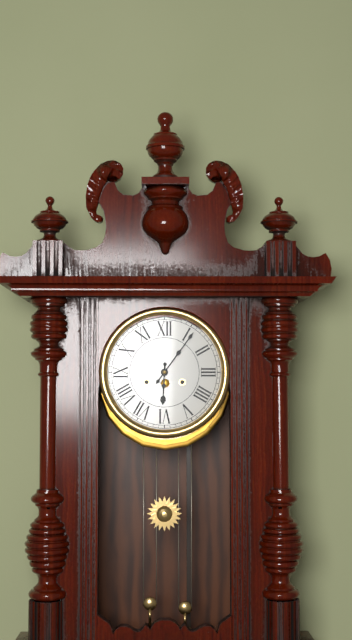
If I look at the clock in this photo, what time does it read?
6:06
